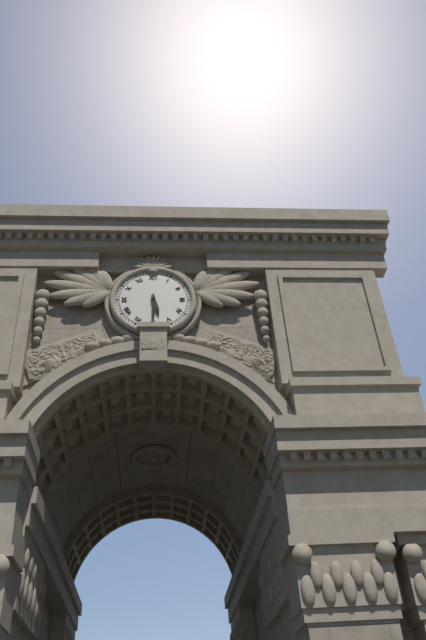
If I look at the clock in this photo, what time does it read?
5:30
